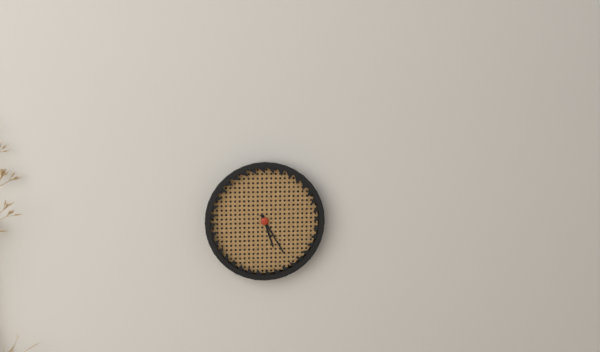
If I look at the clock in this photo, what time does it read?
5:25
